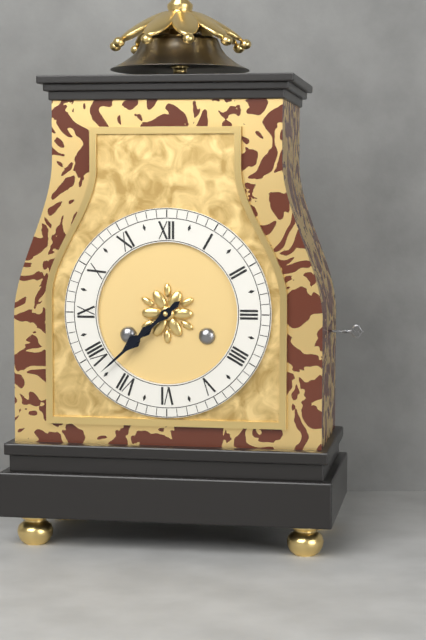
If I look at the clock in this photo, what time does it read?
7:38
